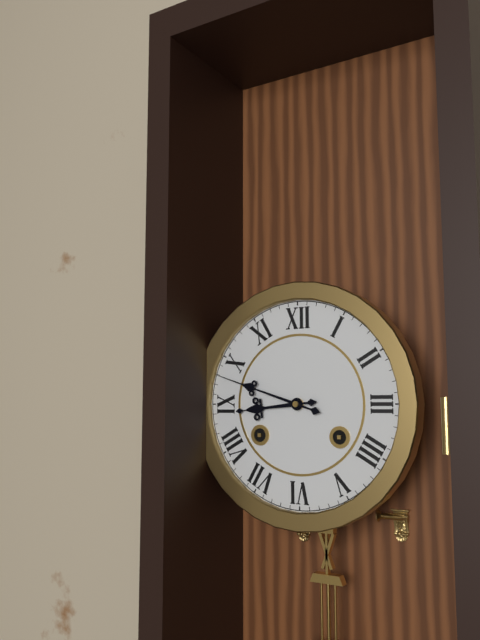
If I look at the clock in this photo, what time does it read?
8:48
